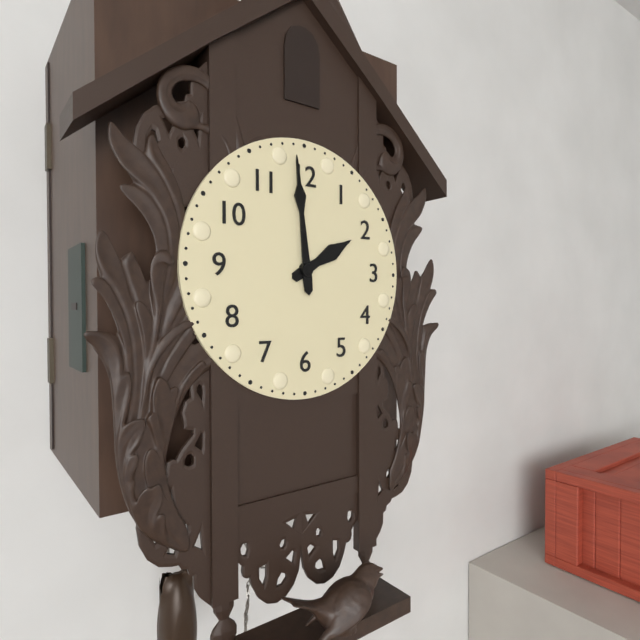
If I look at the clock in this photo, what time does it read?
1:59
